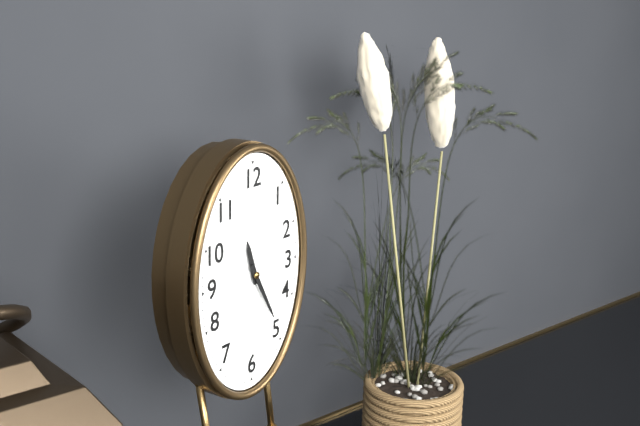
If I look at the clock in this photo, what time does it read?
11:25
